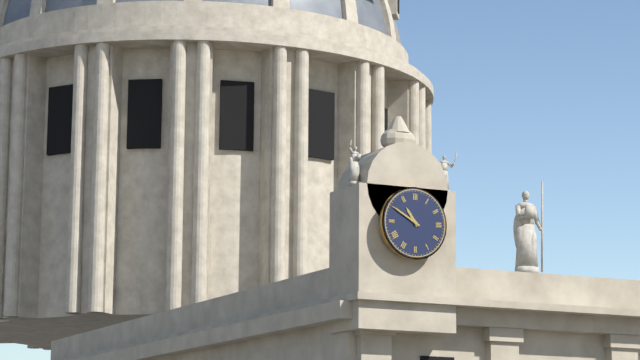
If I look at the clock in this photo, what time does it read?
10:50
